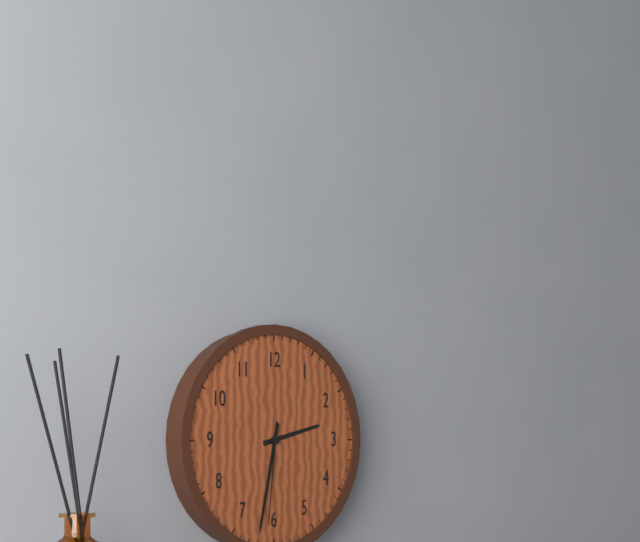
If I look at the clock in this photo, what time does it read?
2:32:31
